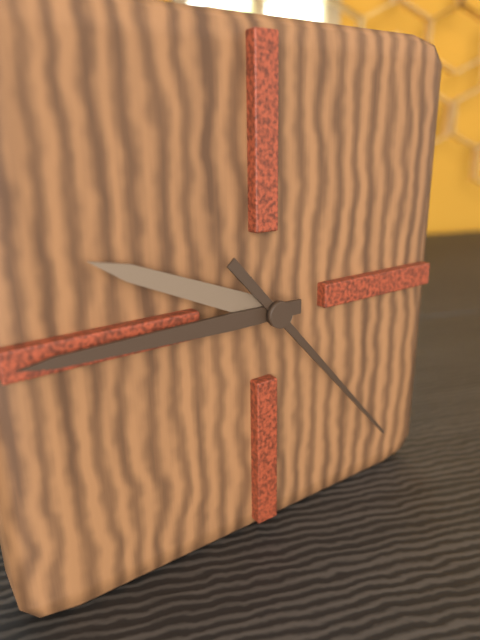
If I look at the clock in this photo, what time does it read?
9:45:23
